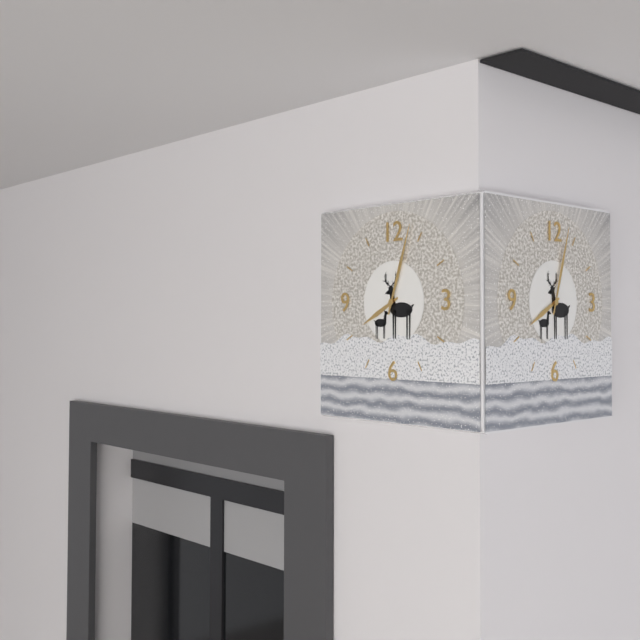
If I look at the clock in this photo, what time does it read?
8:03
